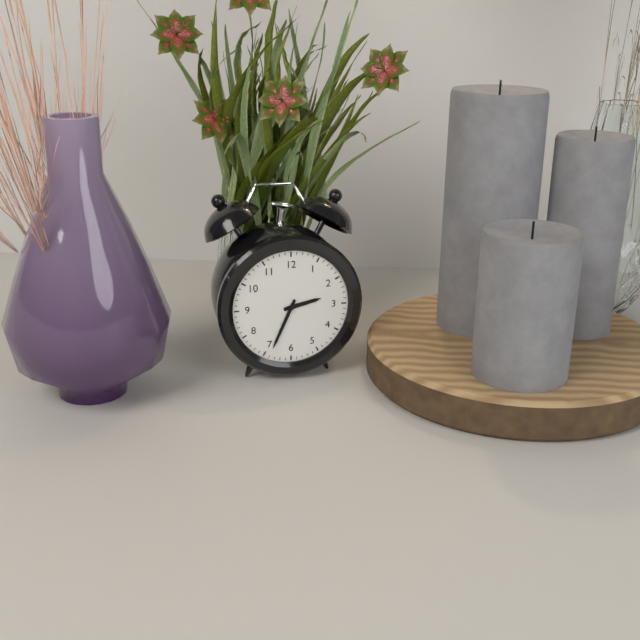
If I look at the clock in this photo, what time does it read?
2:34
